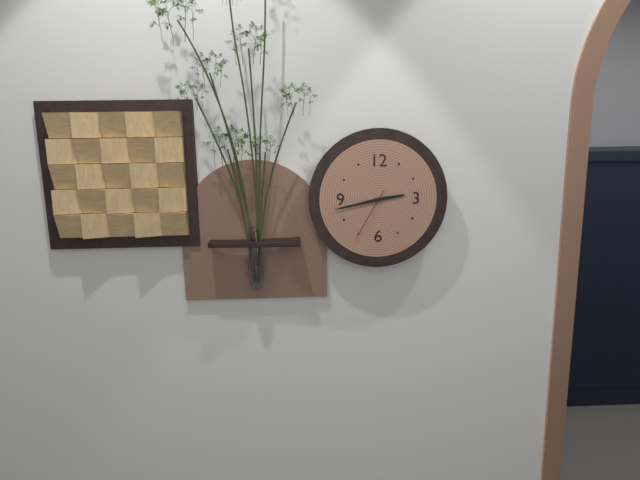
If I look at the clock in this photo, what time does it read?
2:43:35
